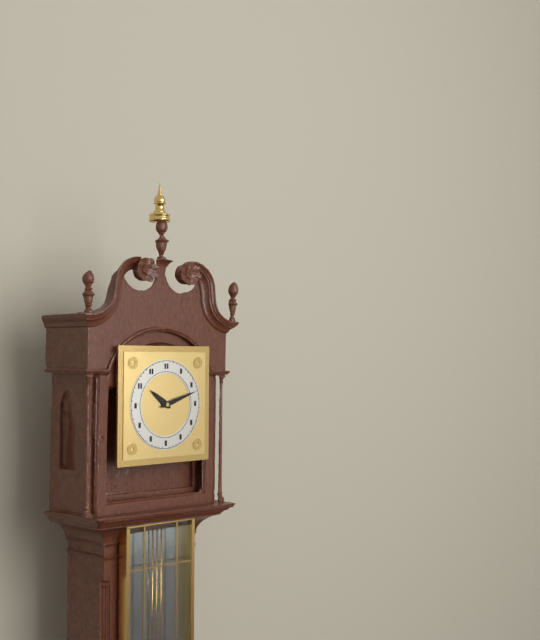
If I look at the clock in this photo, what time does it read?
10:12
